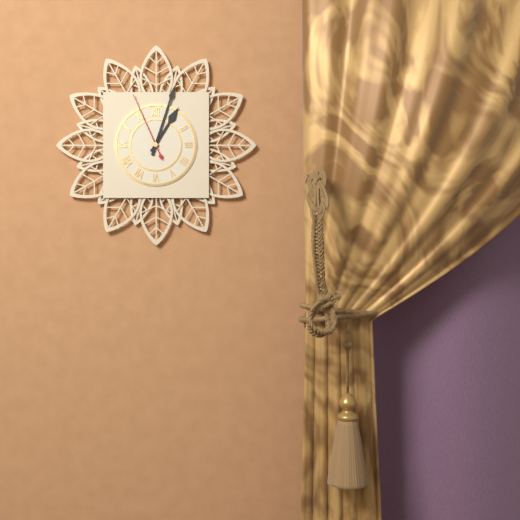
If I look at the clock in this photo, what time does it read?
1:03:56
